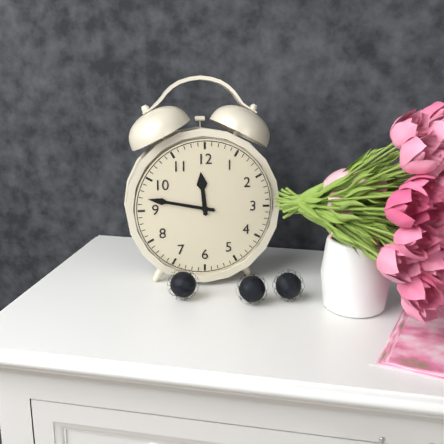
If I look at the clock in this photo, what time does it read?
11:47
